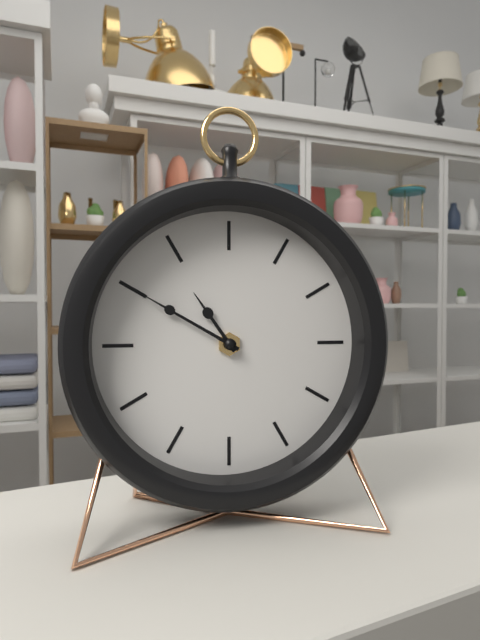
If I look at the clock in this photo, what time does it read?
10:50
